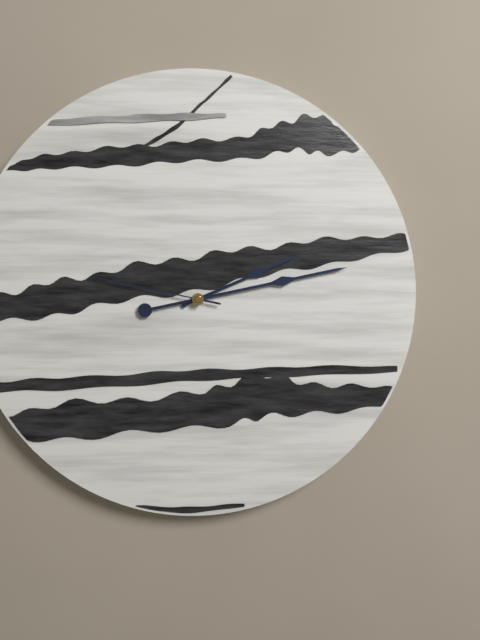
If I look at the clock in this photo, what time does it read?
2:13:47
